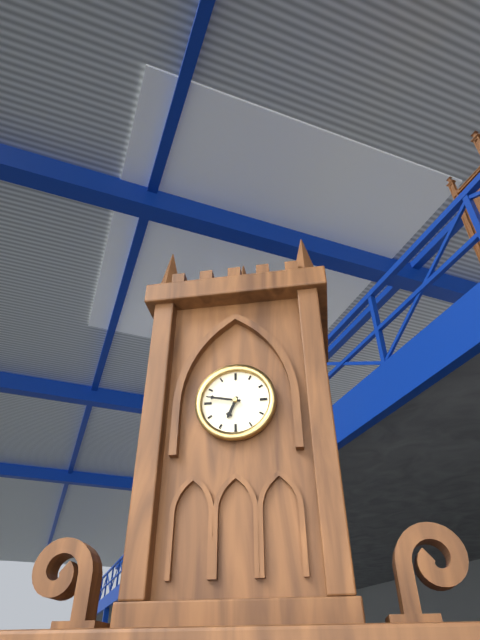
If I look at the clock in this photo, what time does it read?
6:47
